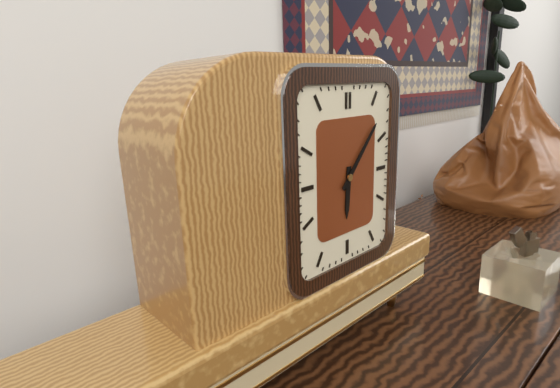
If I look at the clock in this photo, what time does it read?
6:07
